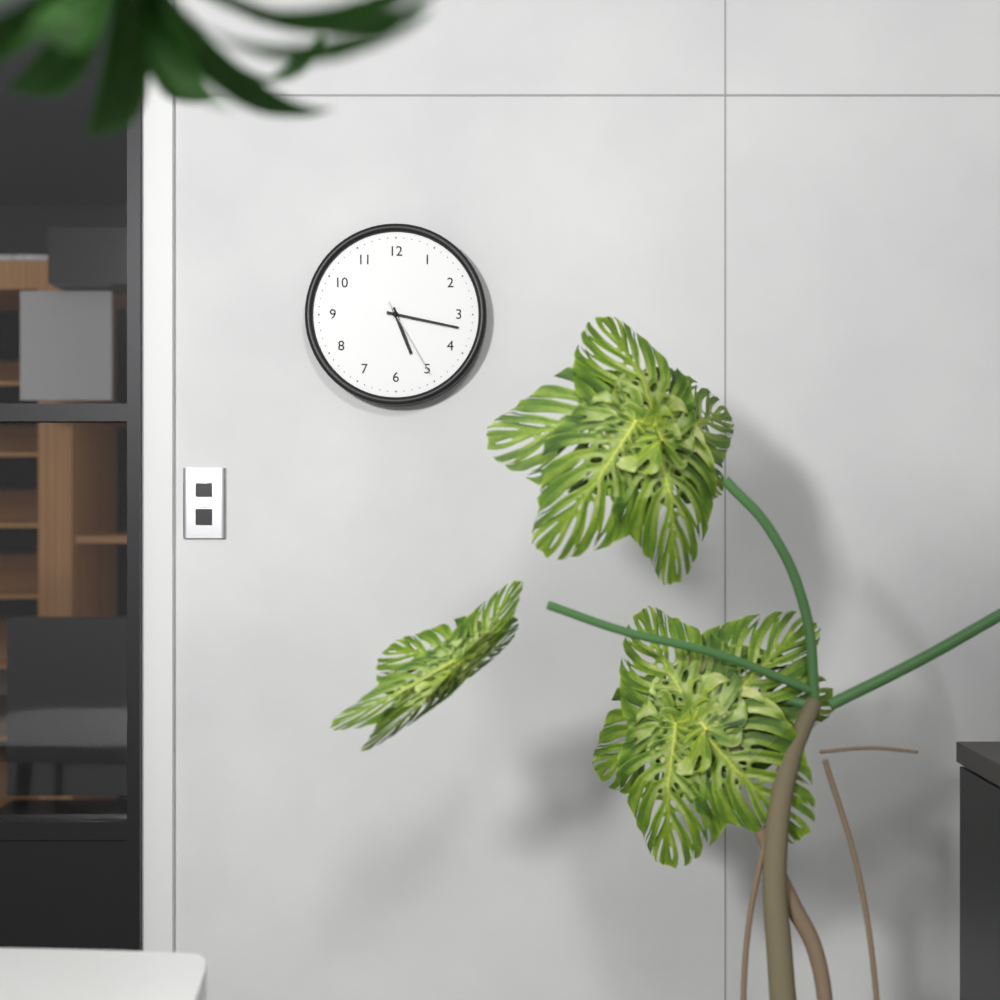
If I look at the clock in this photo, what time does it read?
5:17:25
